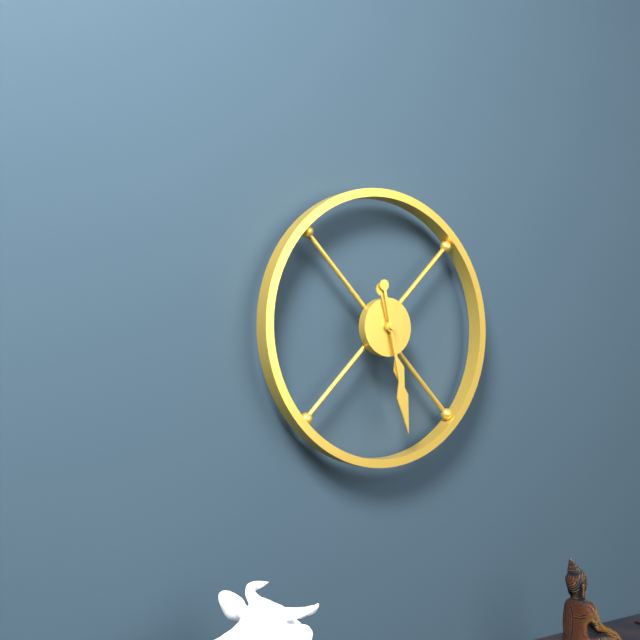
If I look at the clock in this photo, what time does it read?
5:28
